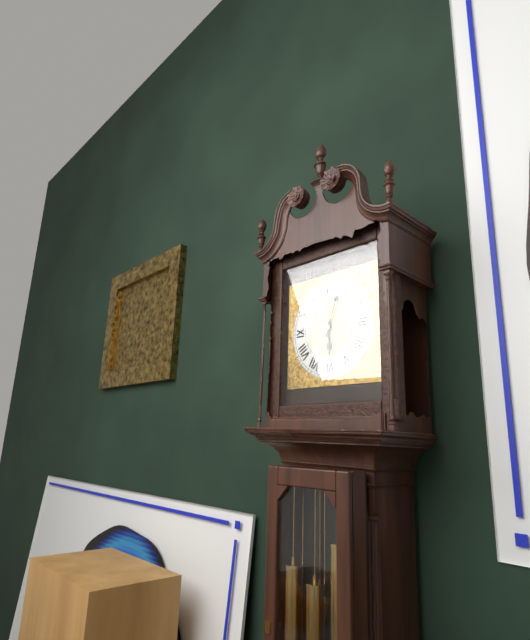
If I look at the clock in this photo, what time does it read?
6:03
